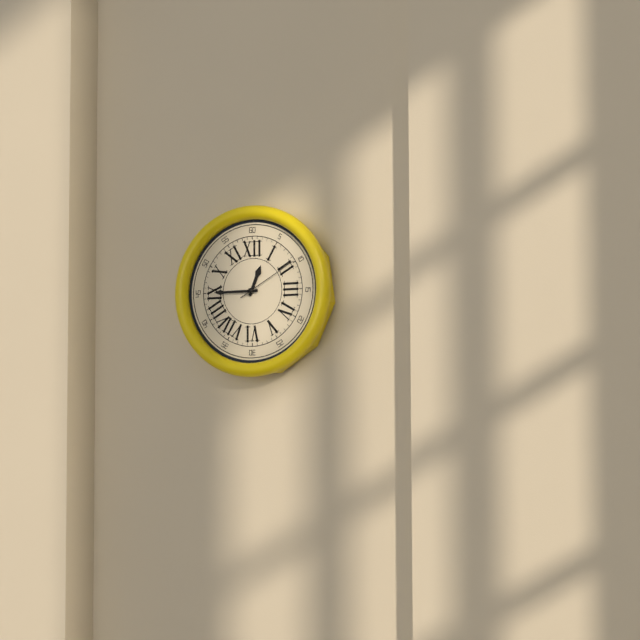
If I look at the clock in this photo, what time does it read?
12:45:10
